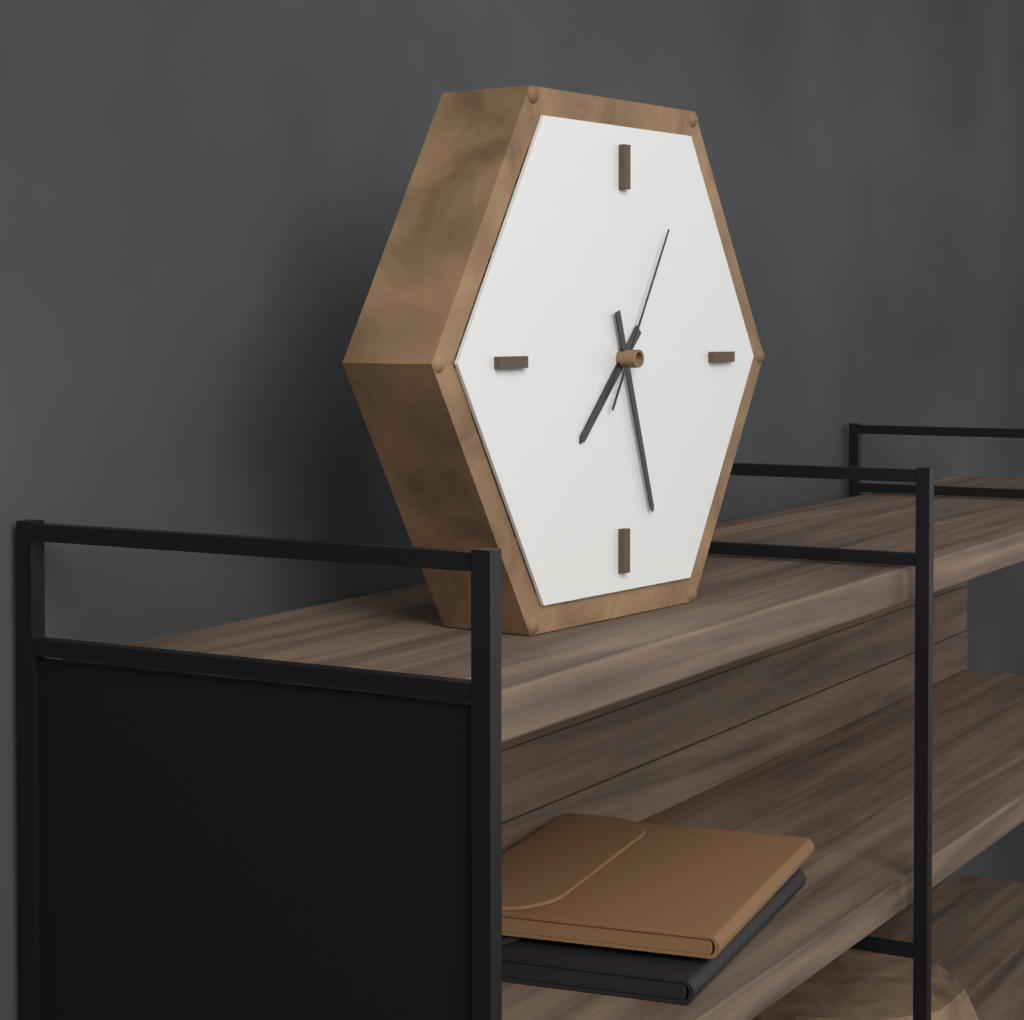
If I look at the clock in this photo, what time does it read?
7:27:05
